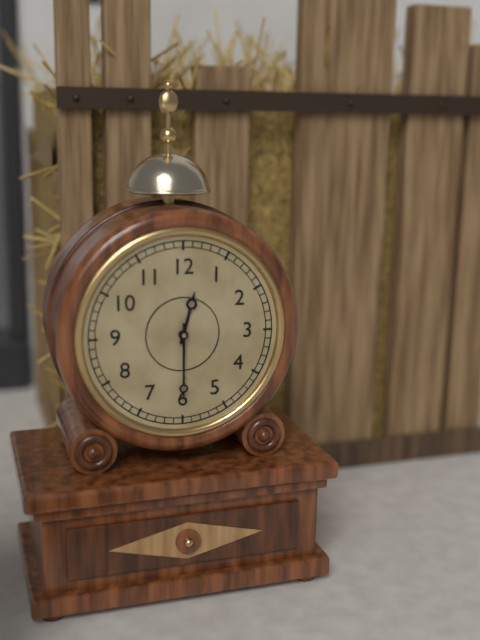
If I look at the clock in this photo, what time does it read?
12:30
